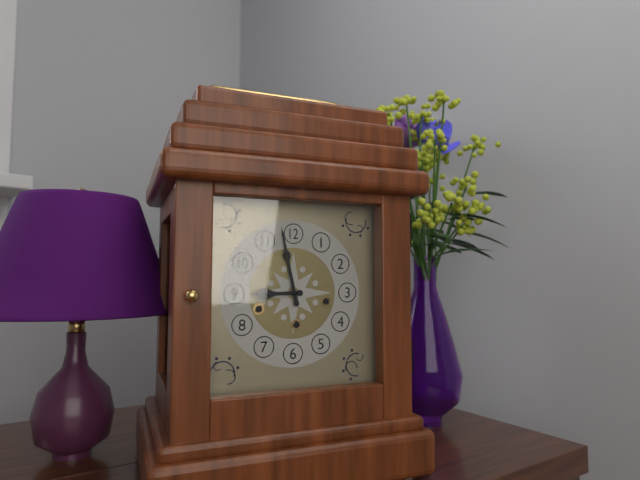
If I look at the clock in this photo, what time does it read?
8:58
